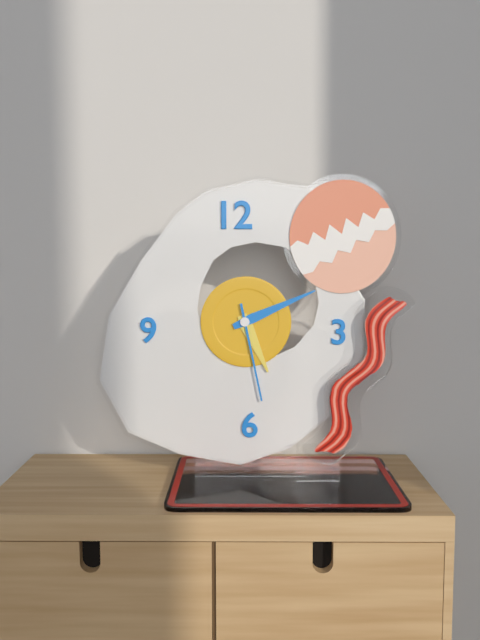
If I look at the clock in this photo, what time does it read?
5:11:28
